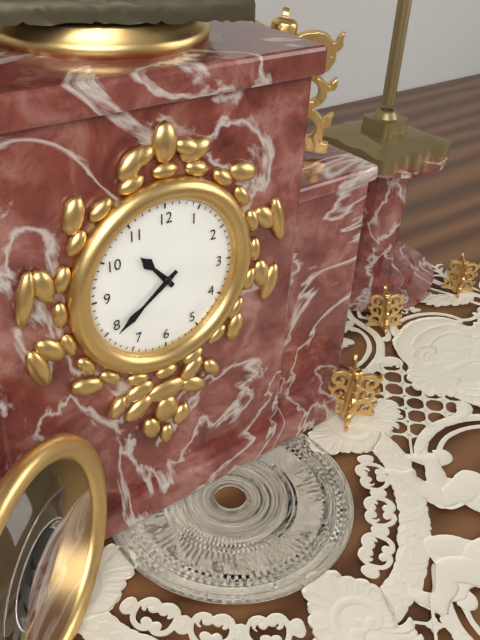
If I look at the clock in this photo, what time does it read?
10:39
